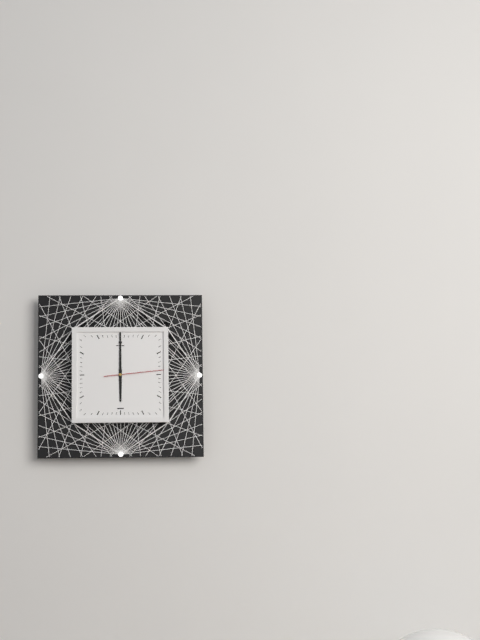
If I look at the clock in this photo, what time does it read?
6:00:14
